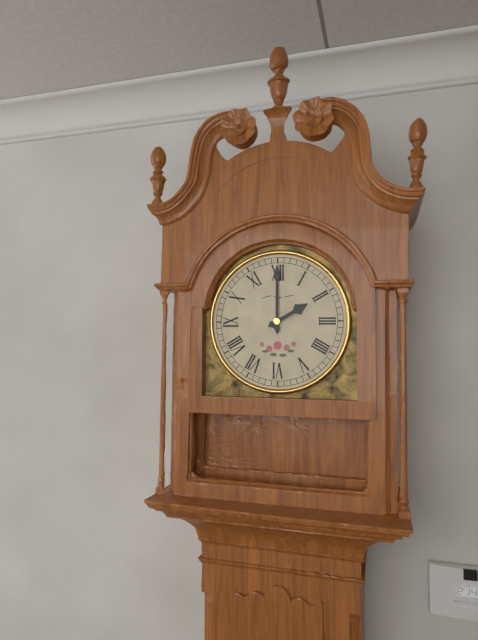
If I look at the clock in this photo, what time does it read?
2:00
